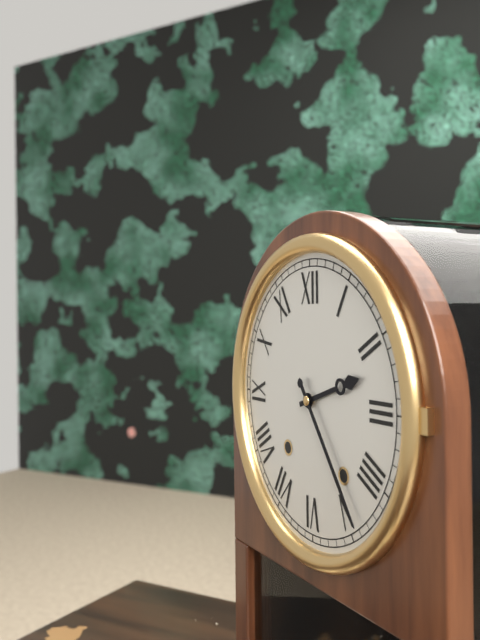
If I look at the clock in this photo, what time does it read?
2:24
